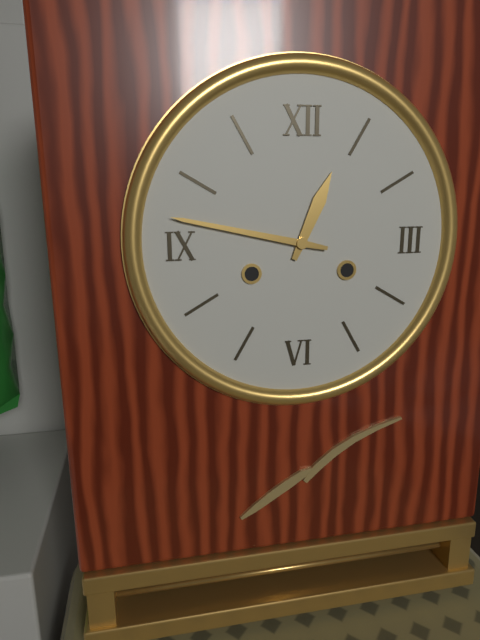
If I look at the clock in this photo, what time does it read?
12:47
